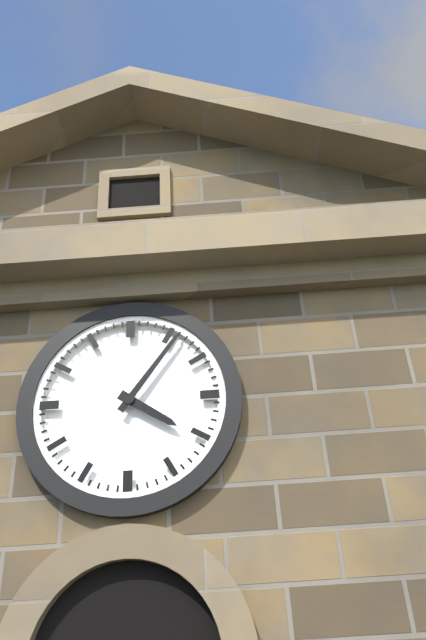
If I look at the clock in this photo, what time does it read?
4:06
